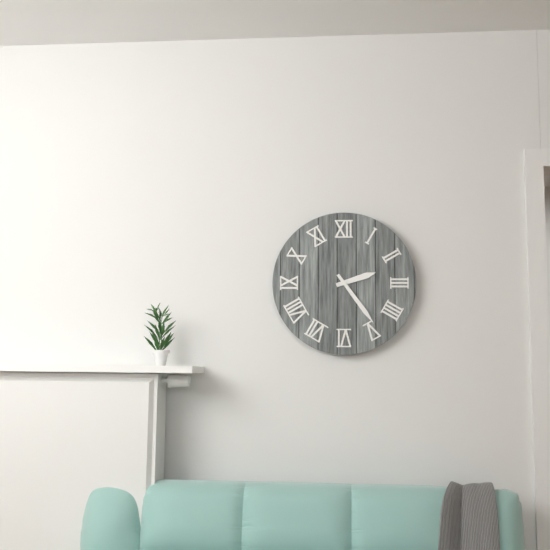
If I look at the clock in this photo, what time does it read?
2:24
